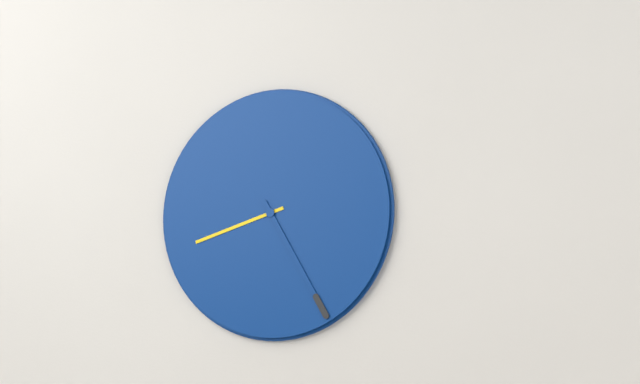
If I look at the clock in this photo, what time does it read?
8:25
